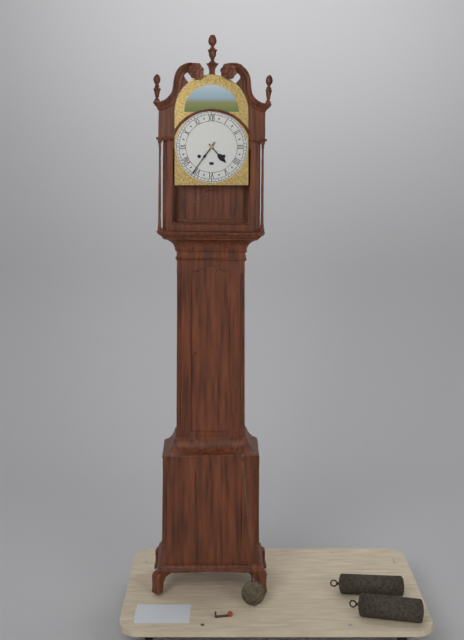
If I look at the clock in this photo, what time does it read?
4:36
